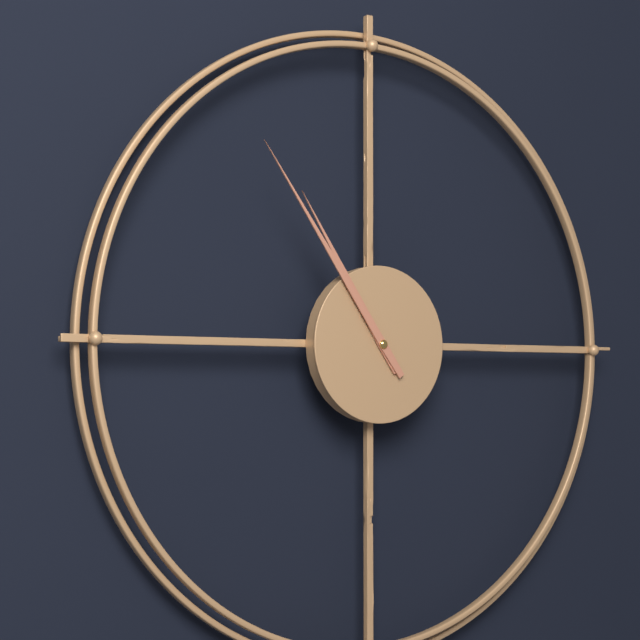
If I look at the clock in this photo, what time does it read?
10:54
